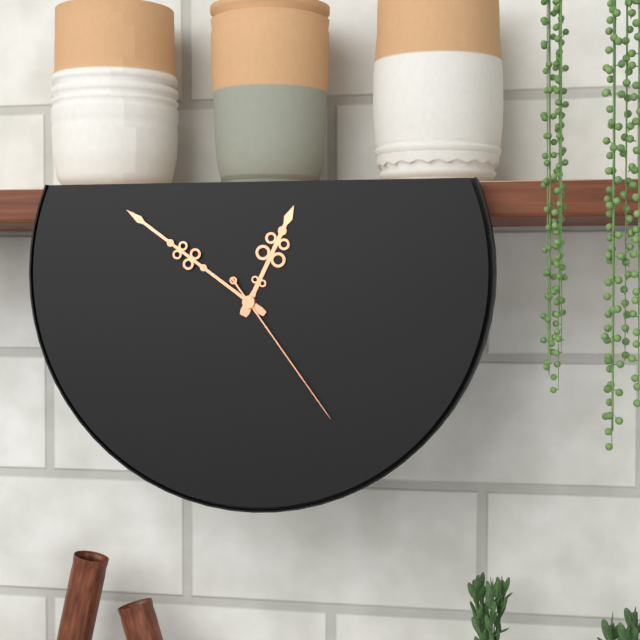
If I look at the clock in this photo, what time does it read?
12:51:24
